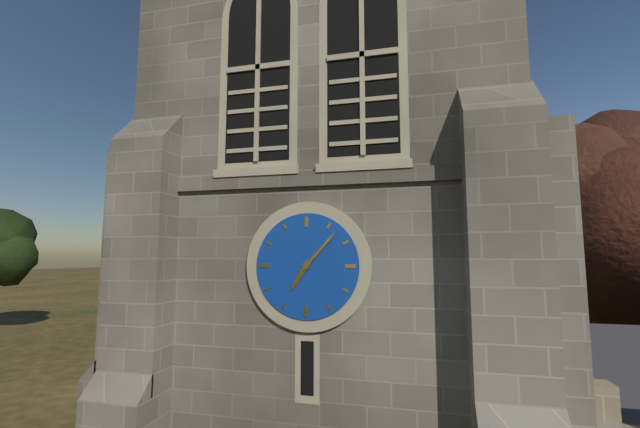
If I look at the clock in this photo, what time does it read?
7:07
